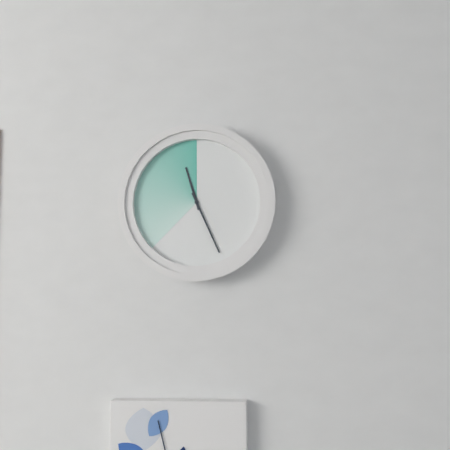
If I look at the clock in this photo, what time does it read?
11:26
